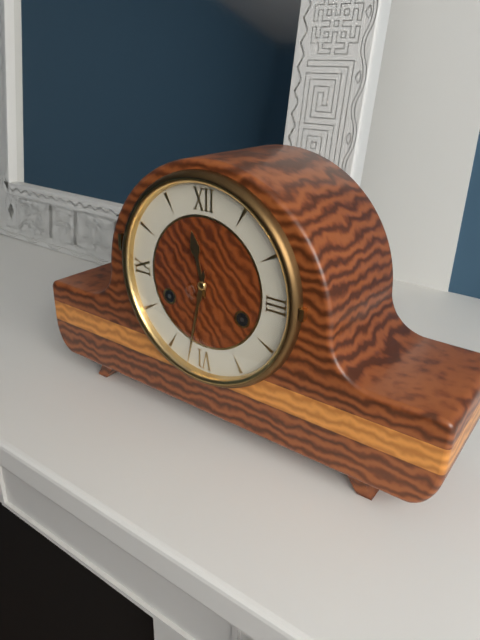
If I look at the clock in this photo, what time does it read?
11:32
